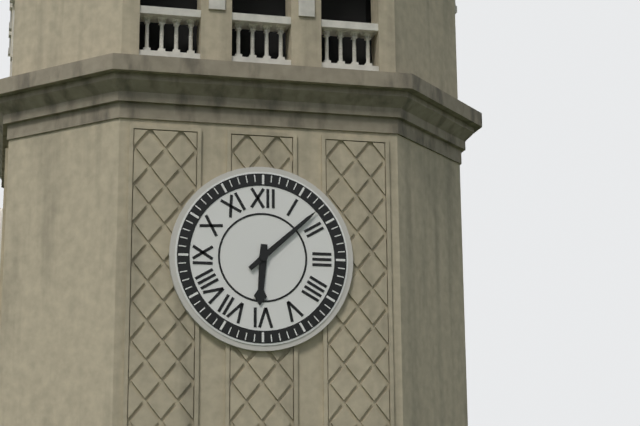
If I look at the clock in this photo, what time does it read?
6:08
